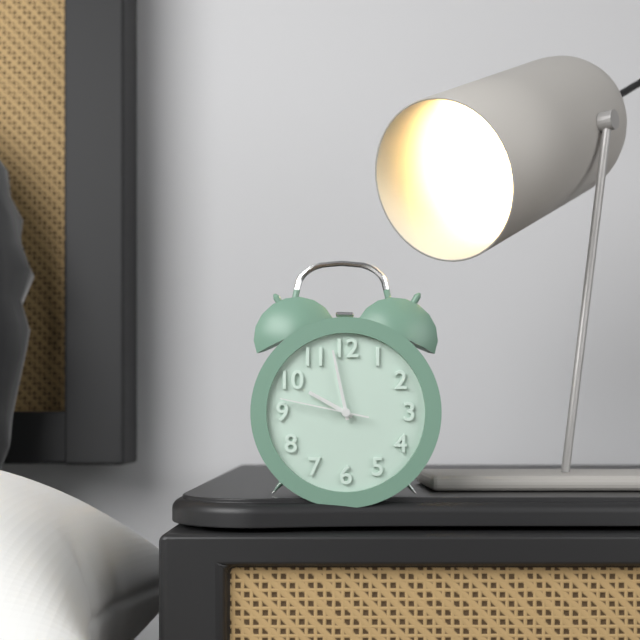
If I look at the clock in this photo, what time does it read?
9:58:47
